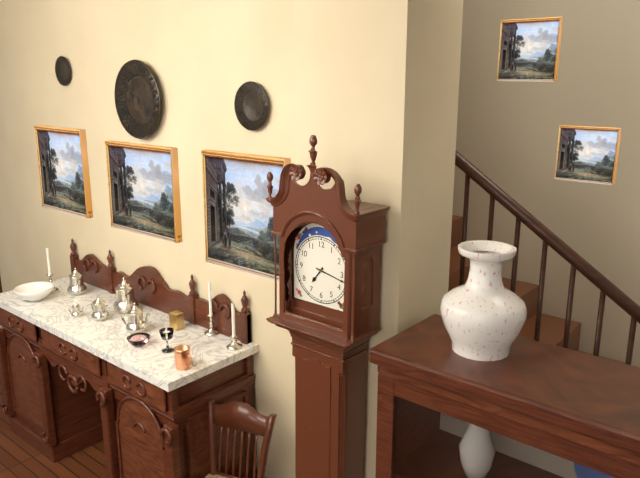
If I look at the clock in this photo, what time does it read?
7:17
